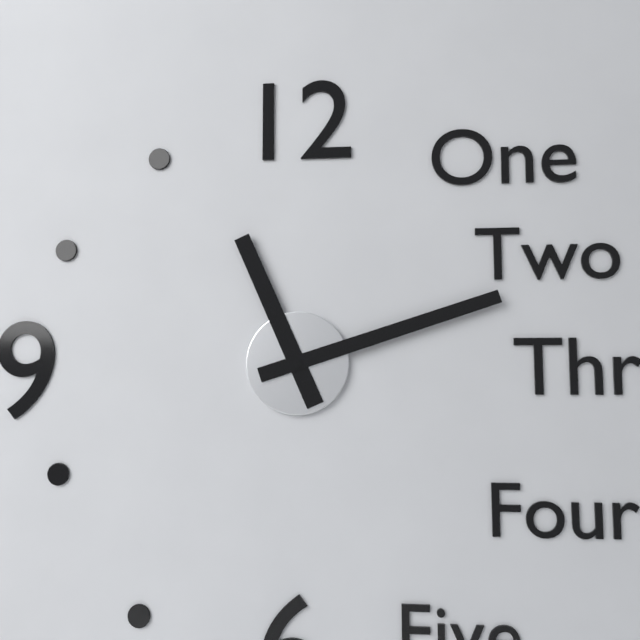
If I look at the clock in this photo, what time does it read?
11:12
